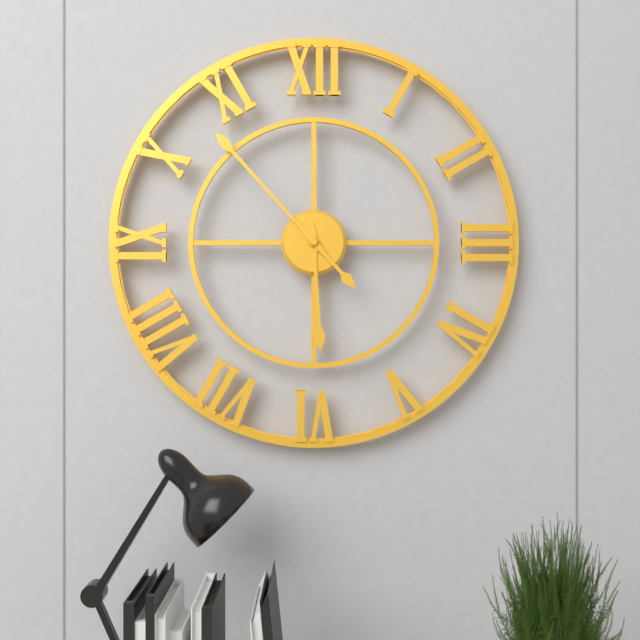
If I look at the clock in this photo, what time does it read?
5:53
